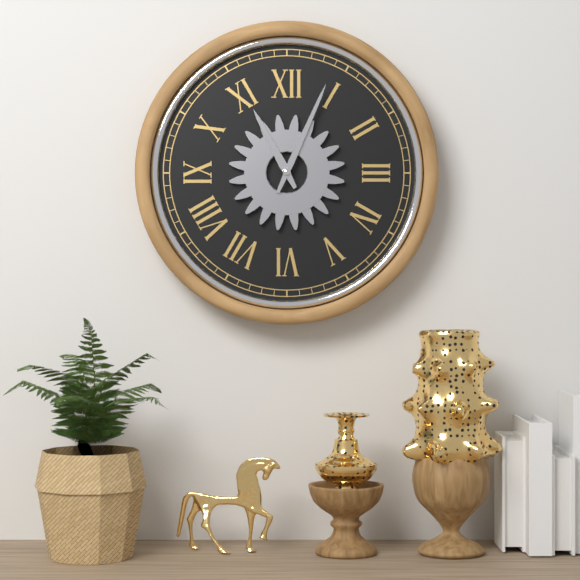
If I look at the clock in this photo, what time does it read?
11:04
